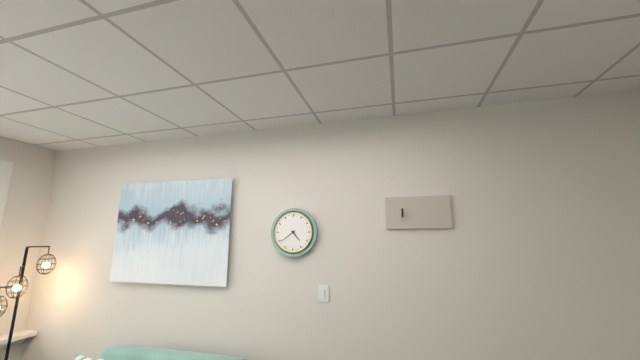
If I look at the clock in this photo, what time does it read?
4:39
